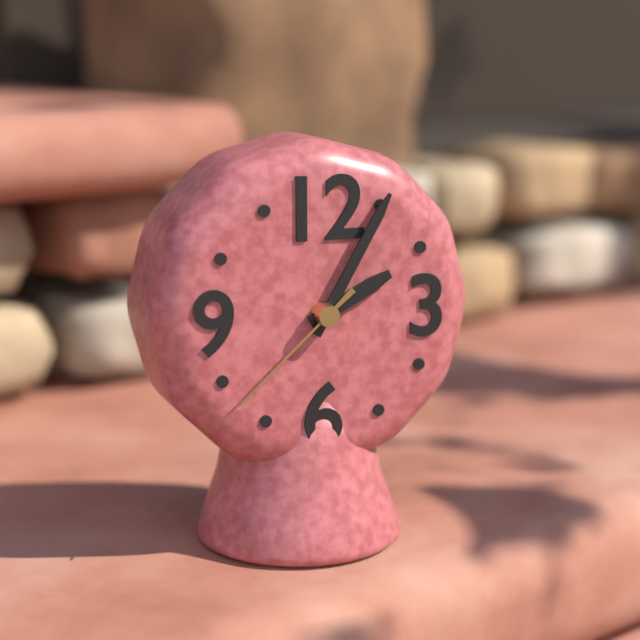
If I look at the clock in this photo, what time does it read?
2:05:38
